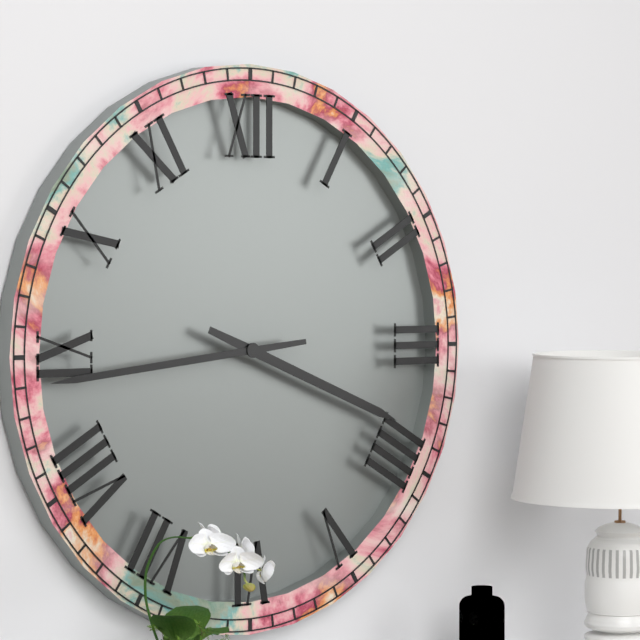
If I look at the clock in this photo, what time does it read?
3:44
